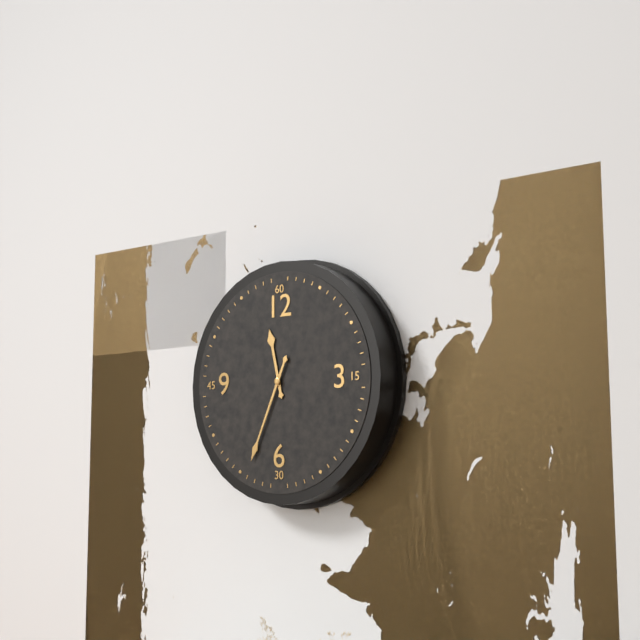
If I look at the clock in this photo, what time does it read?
11:34
